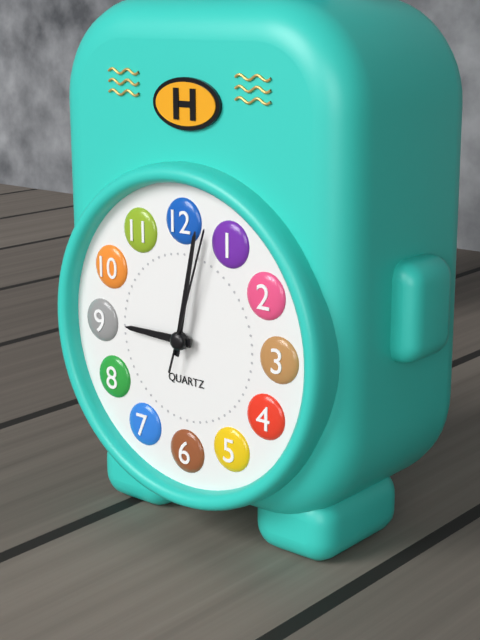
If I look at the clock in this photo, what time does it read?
9:02:03
